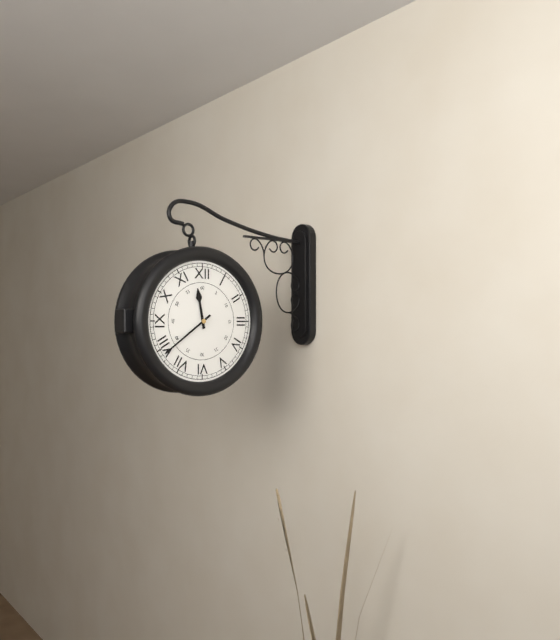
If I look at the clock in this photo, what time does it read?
11:39
